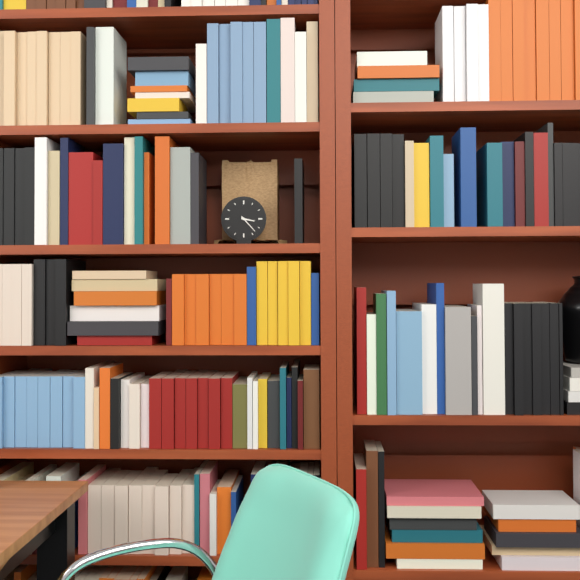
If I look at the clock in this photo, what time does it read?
3:23
